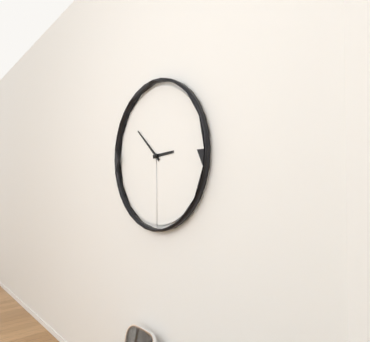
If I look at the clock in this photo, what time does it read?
2:52
